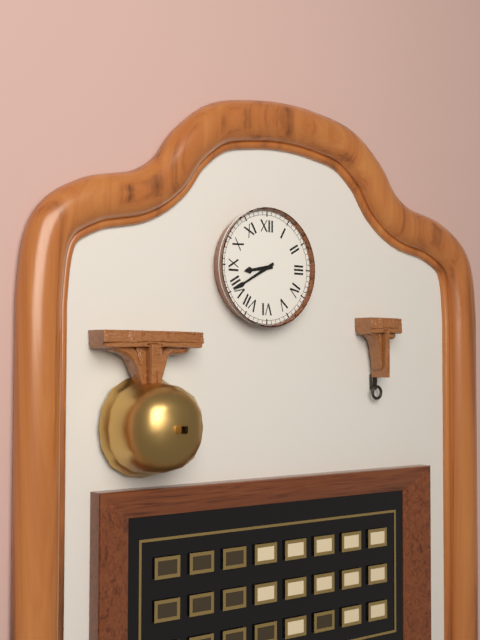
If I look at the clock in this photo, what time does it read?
8:40
